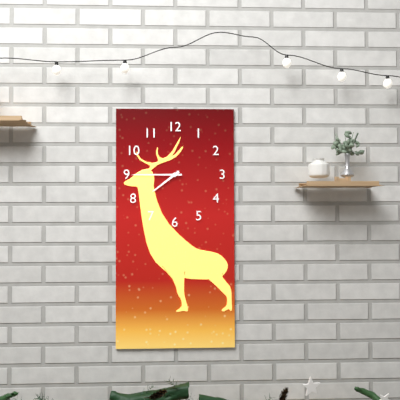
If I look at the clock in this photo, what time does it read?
7:45
